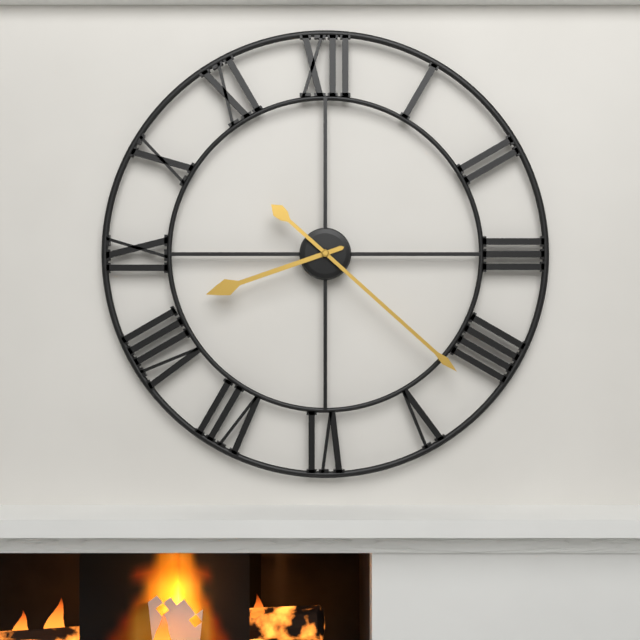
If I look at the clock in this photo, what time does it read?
8:22
